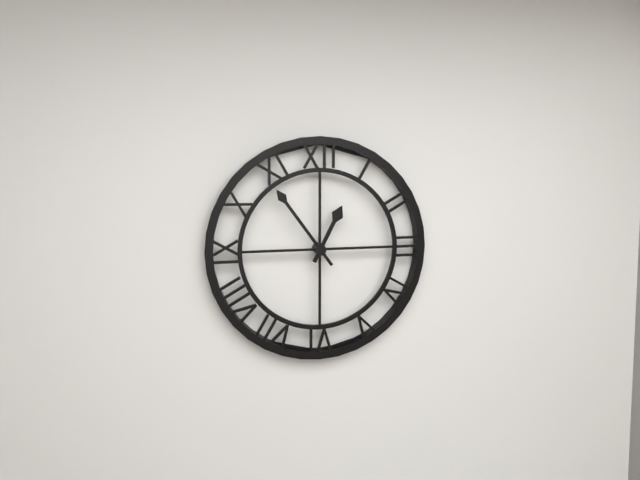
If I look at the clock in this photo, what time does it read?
12:54
